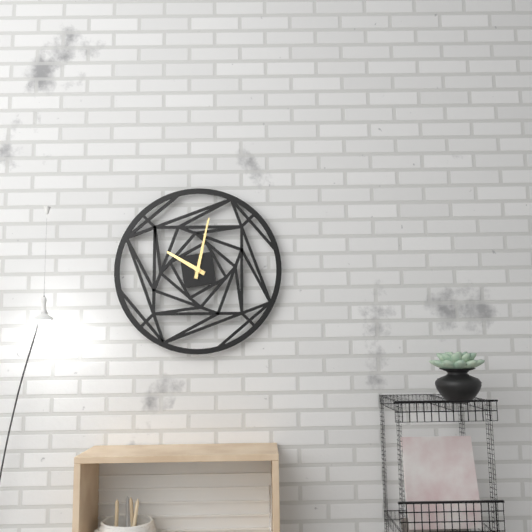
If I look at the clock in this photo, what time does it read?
10:02
